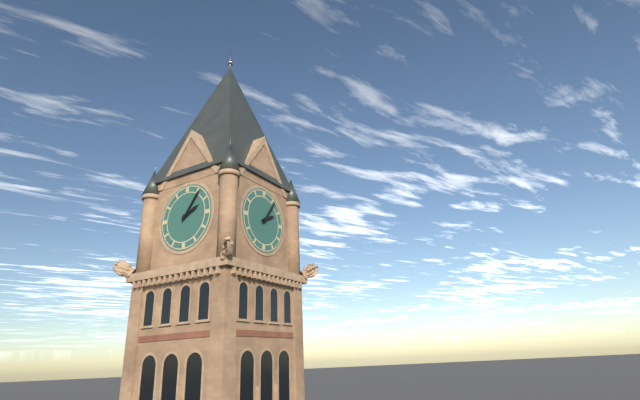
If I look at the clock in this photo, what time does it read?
2:06
